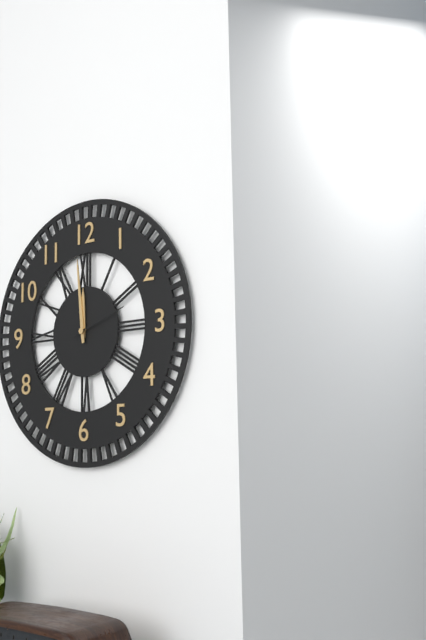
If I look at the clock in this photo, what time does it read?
11:59:12
